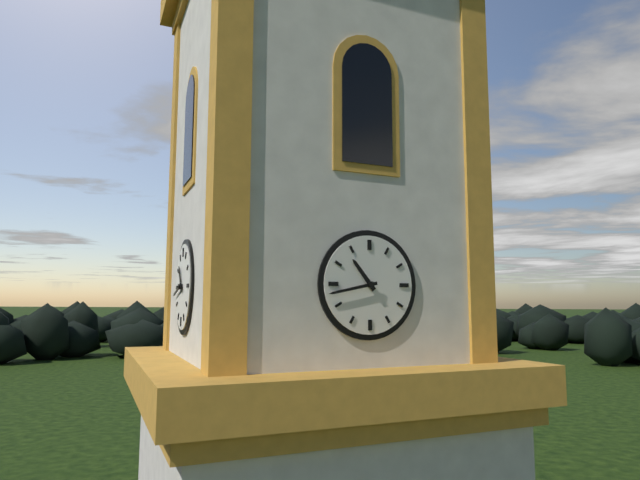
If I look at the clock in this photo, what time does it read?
10:43
